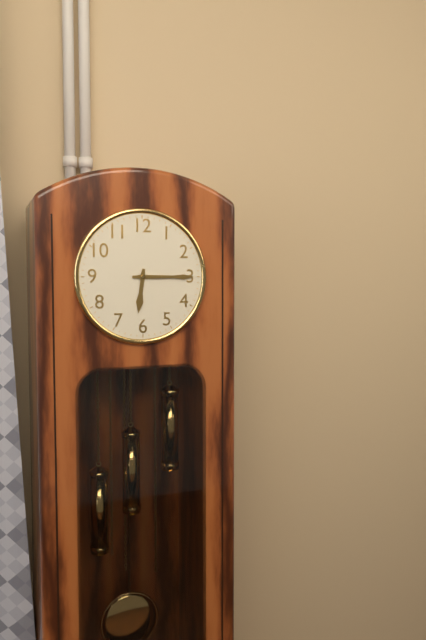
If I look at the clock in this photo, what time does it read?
6:15
